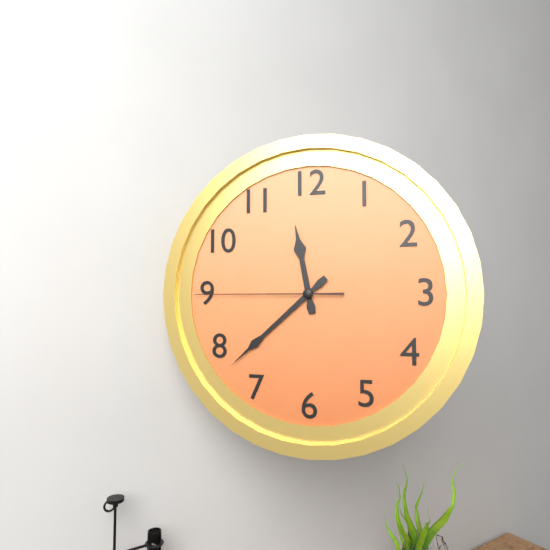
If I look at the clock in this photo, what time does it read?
11:38:45
